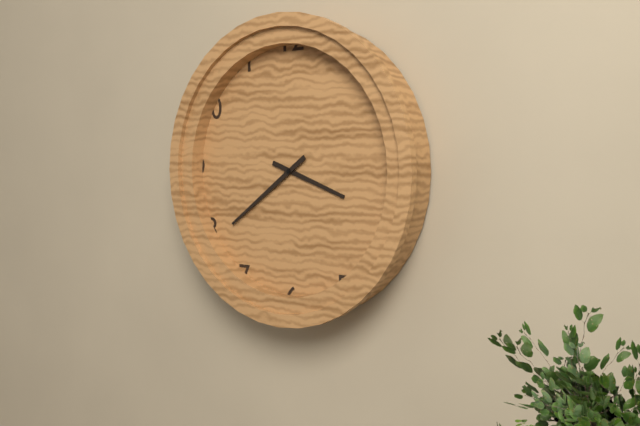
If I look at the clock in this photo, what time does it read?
3:39
